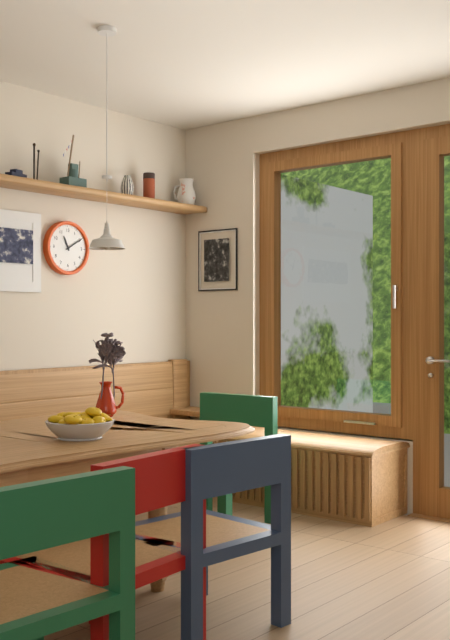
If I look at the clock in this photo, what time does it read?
11:10
